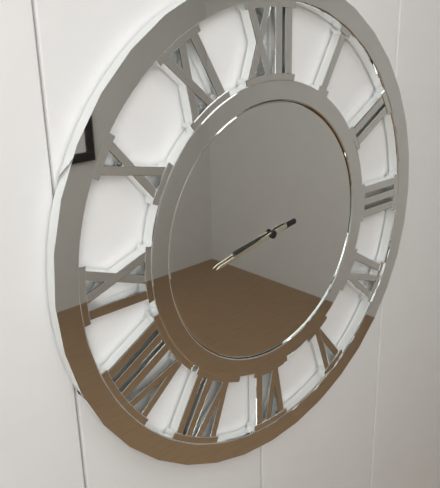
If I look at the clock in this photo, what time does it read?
8:43
